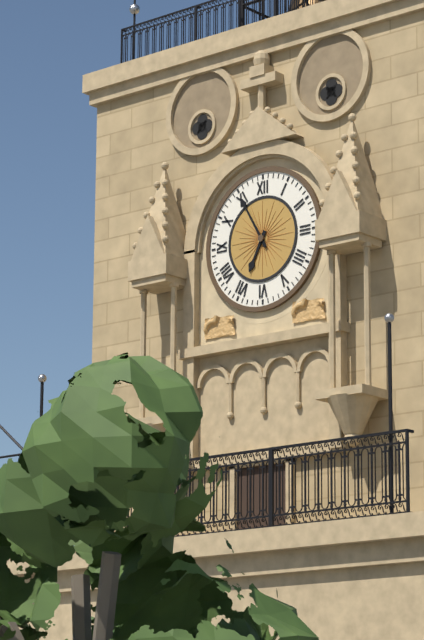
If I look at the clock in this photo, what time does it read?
6:55
